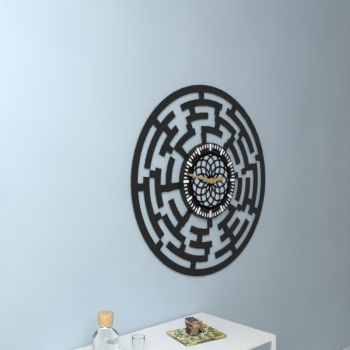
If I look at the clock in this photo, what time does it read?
2:47
